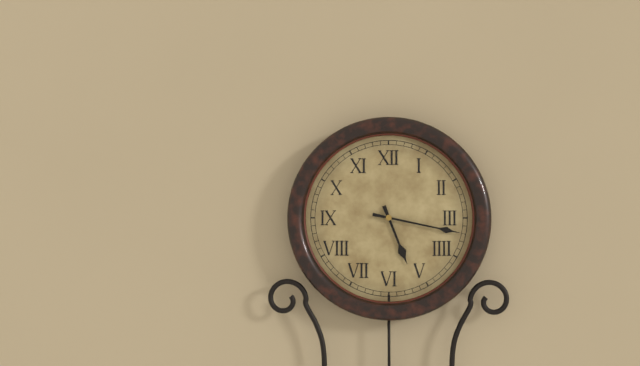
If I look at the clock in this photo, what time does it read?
5:17
